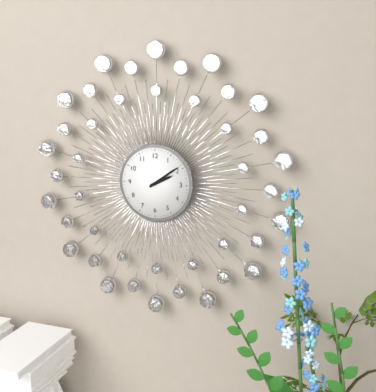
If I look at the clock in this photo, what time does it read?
2:09
